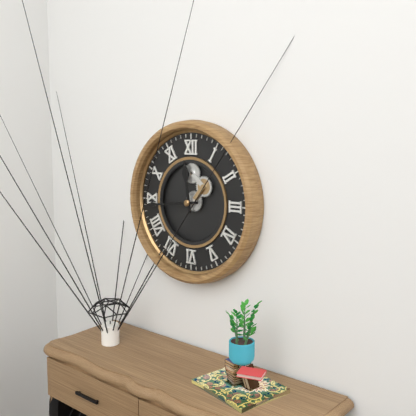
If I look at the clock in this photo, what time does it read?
11:44
